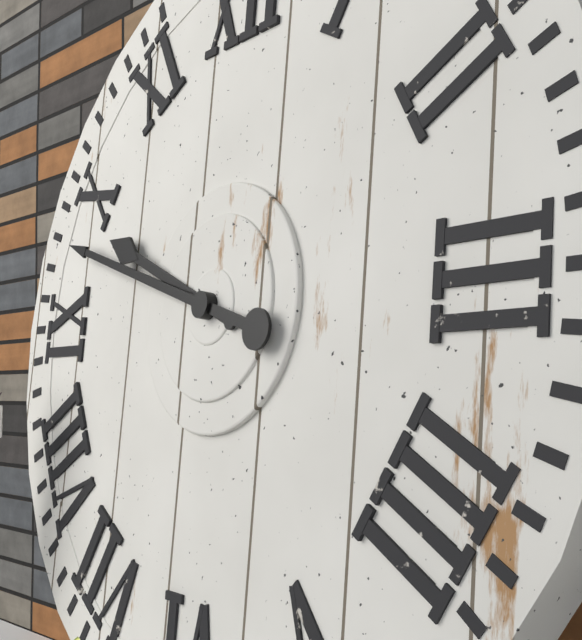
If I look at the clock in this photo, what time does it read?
9:48
